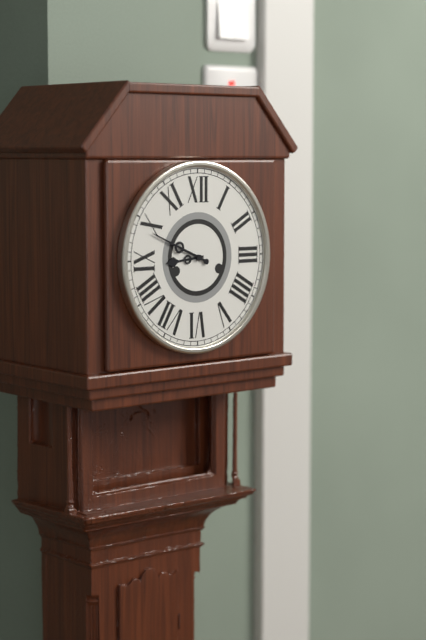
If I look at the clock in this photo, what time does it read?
8:49
